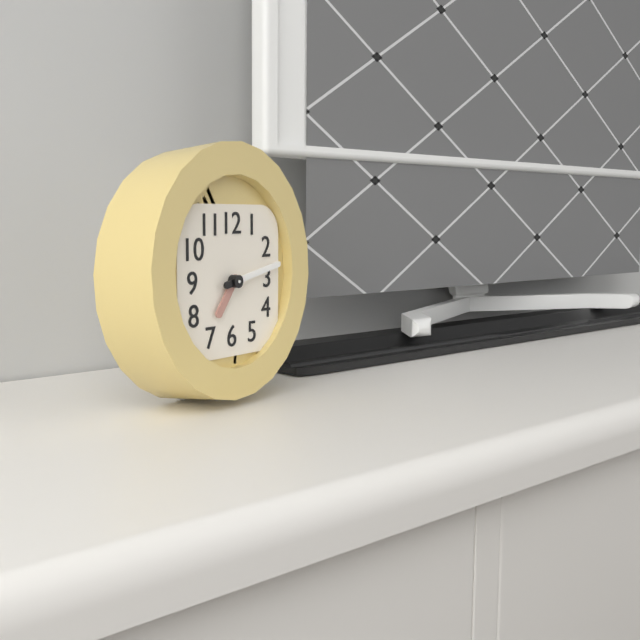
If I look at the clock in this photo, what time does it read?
7:13
